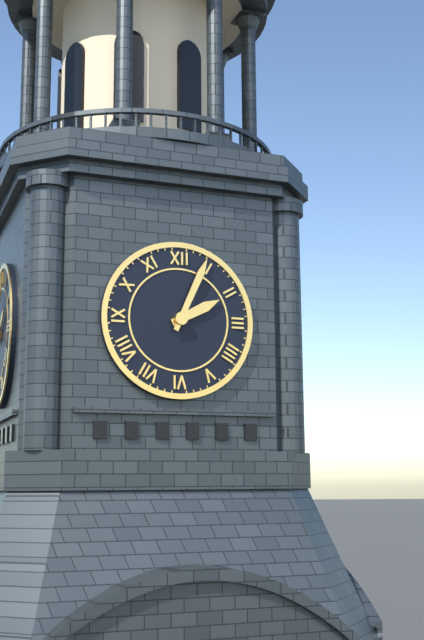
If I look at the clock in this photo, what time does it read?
2:04
